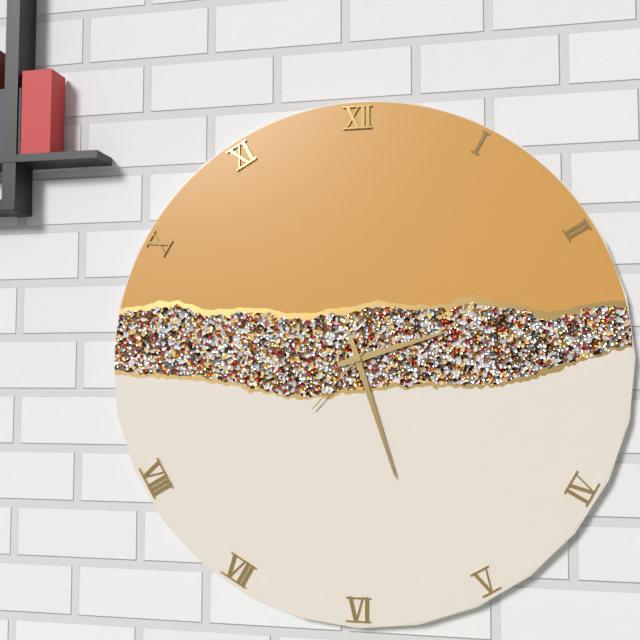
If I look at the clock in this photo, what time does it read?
2:27:37
